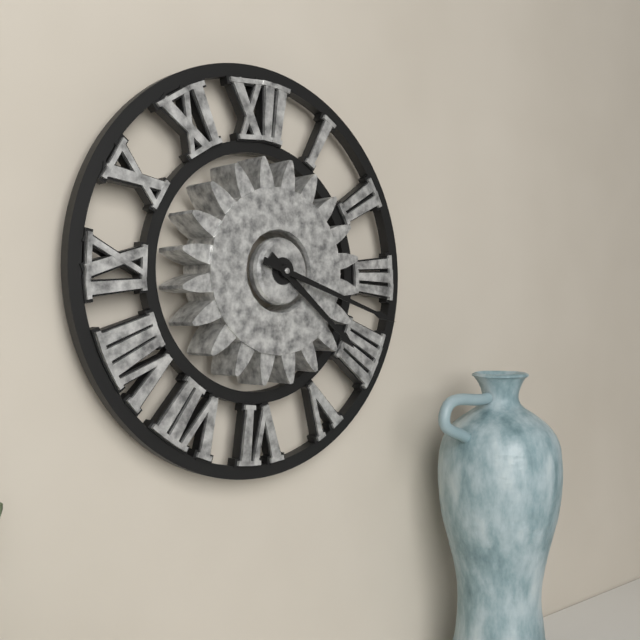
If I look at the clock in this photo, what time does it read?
4:18
